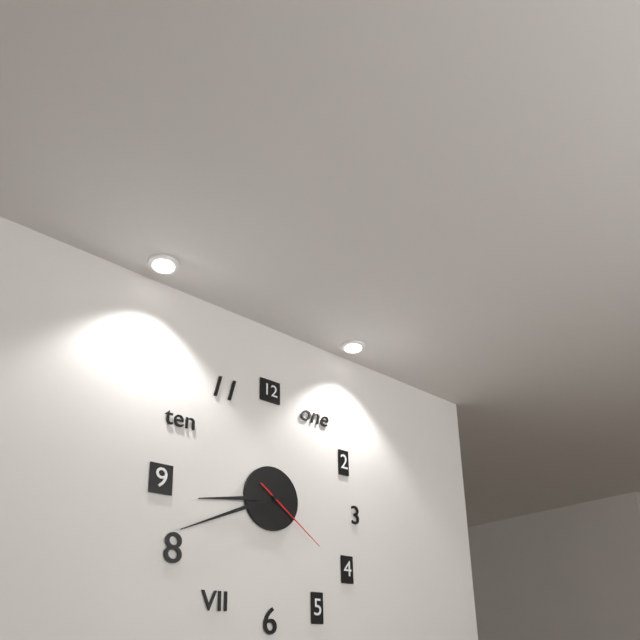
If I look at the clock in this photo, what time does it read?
8:41:21
